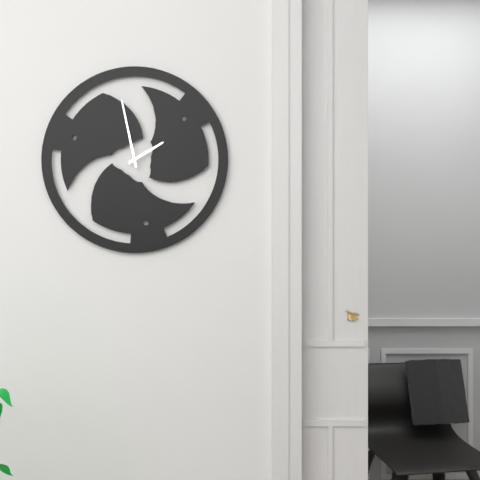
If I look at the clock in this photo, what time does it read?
1:58
